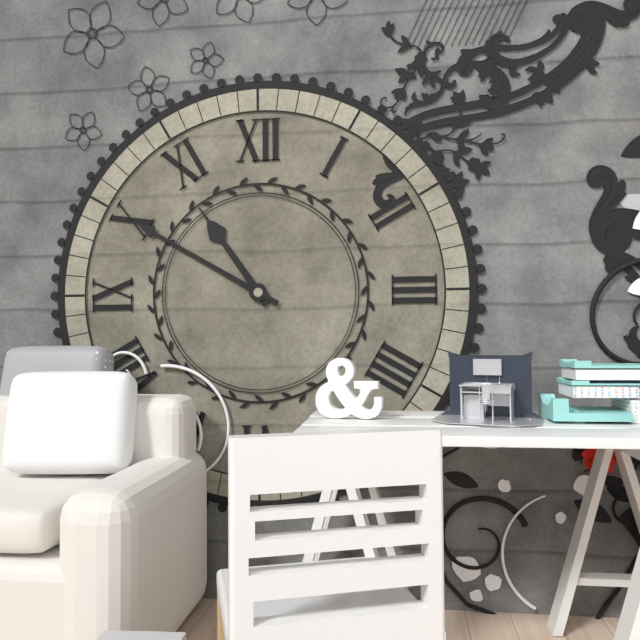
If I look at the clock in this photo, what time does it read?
10:50
